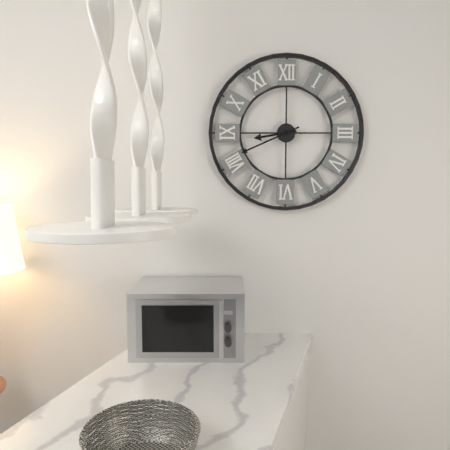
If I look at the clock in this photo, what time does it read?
8:41
